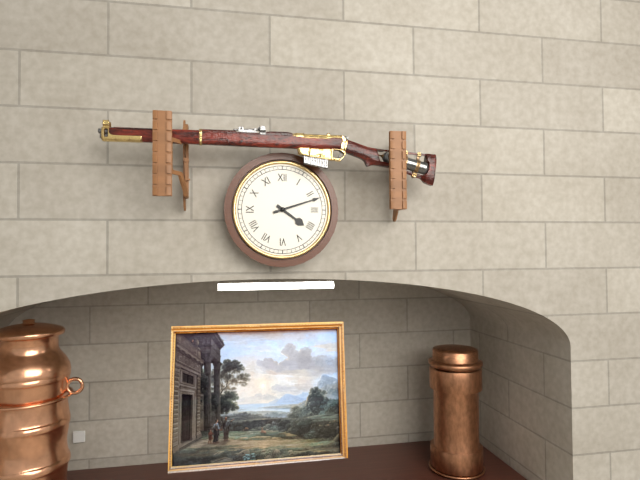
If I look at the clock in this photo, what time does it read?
4:12
